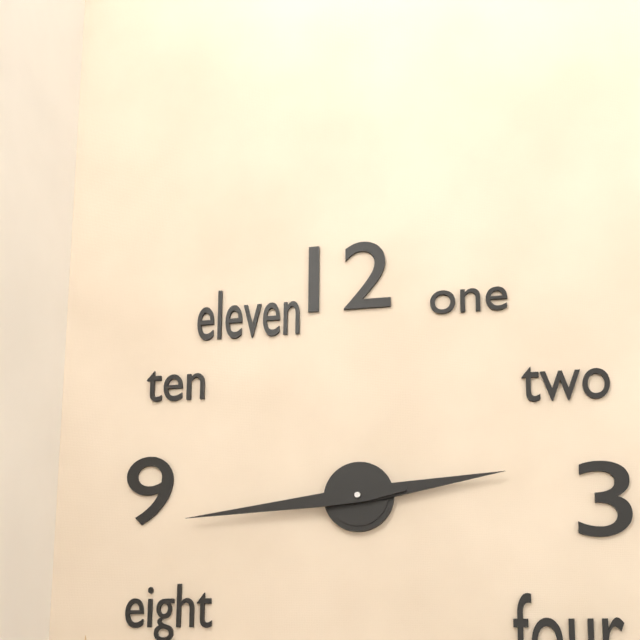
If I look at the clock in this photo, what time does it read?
2:44
